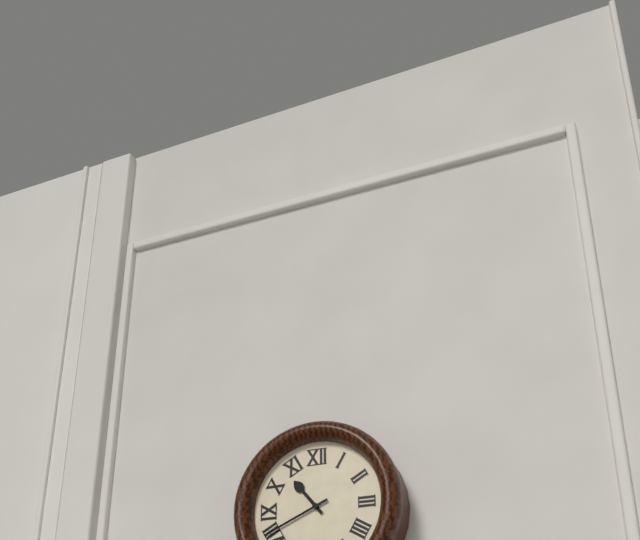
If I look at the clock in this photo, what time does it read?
10:41
